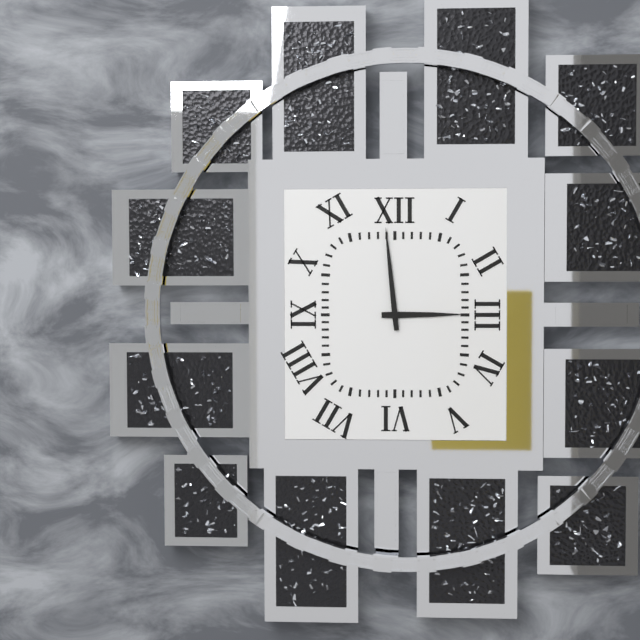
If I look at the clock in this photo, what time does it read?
2:59
